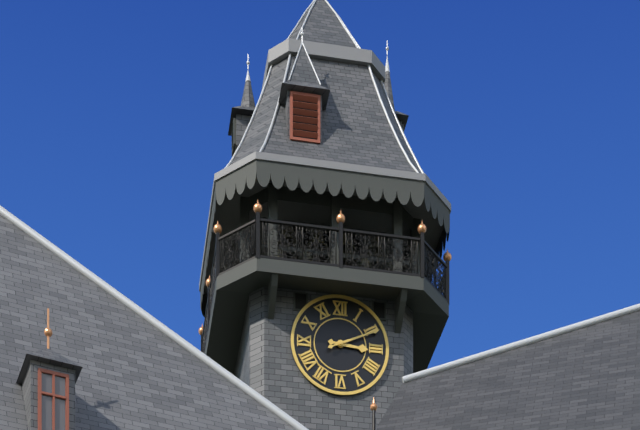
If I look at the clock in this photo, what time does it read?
3:11
